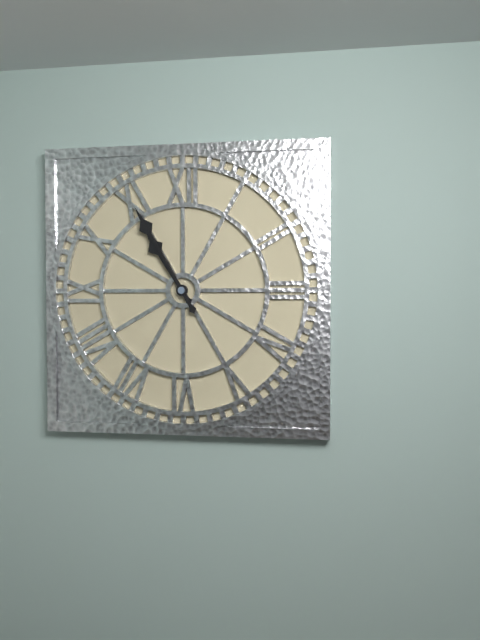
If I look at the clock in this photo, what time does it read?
10:55
